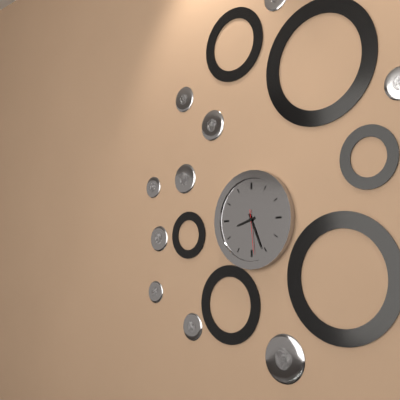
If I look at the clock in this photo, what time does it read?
8:26
